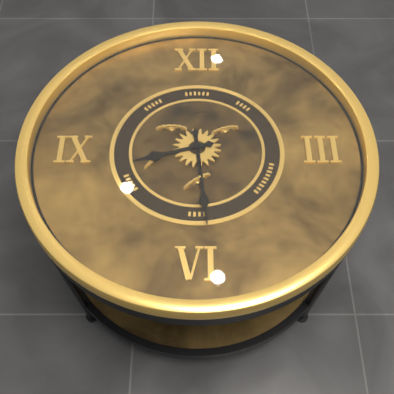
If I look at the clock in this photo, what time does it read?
8:29
